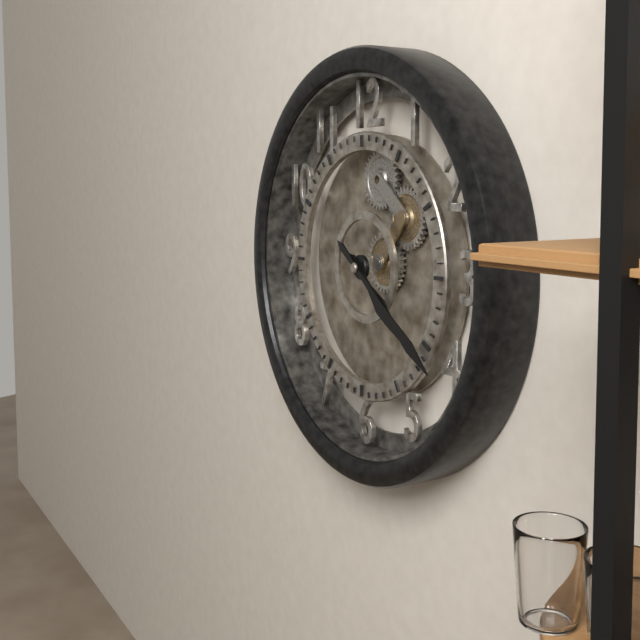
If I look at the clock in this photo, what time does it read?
4:21
